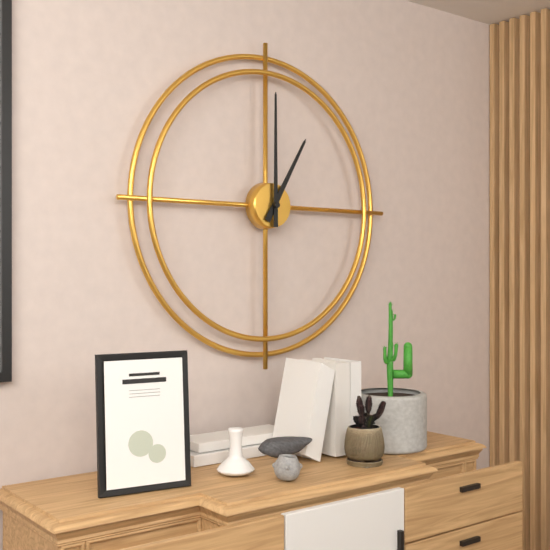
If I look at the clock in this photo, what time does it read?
1:00
